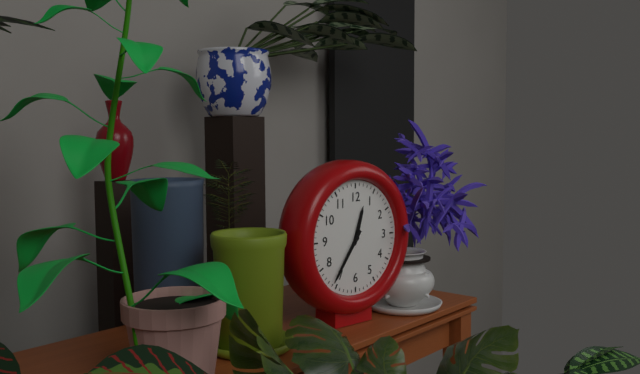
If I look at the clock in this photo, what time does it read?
12:36
